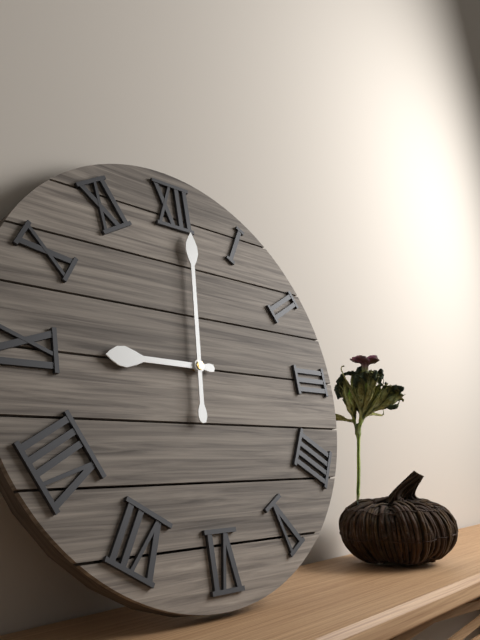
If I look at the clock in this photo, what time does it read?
9:01
